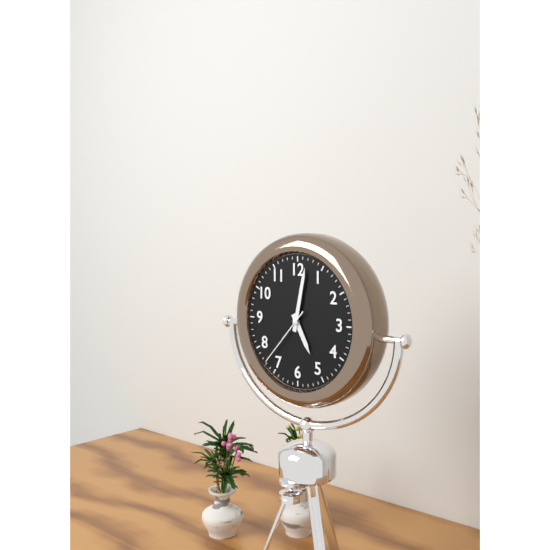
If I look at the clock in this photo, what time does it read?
5:02:37
